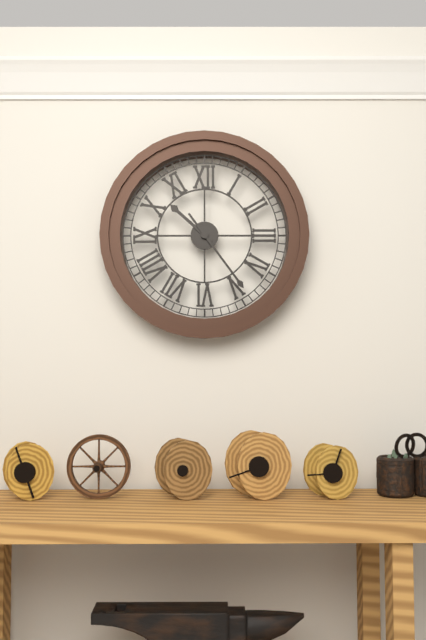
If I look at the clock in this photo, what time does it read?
10:24
